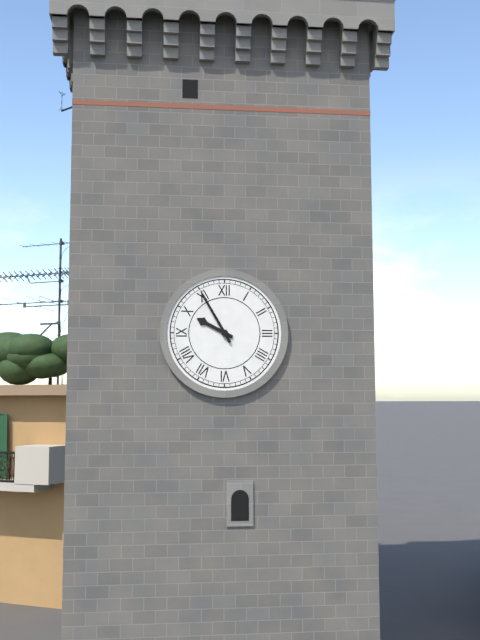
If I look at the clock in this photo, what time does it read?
9:55
